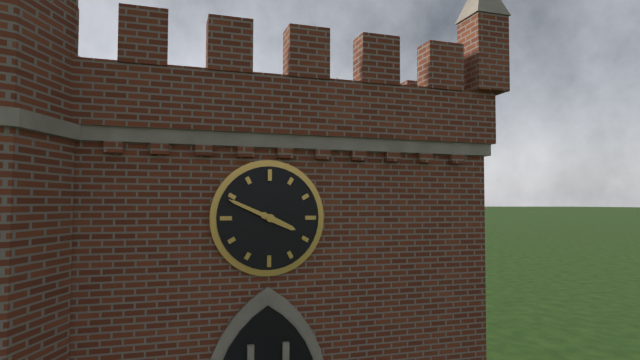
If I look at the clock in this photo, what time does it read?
3:49
